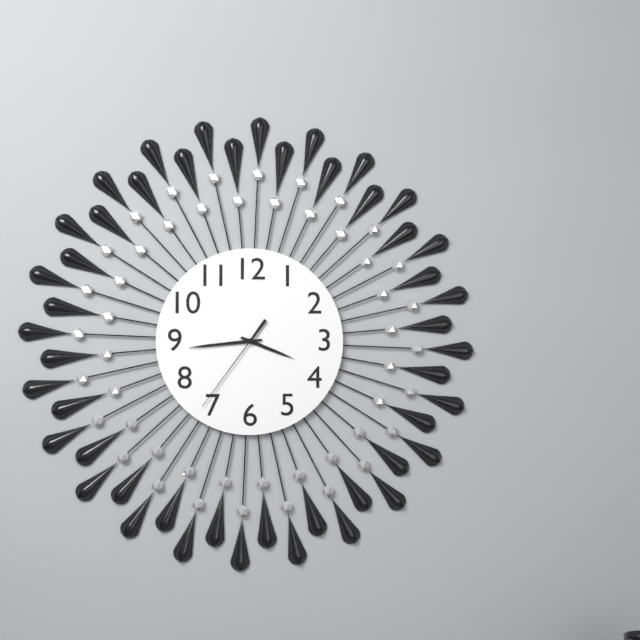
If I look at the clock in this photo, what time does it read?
3:44:36
